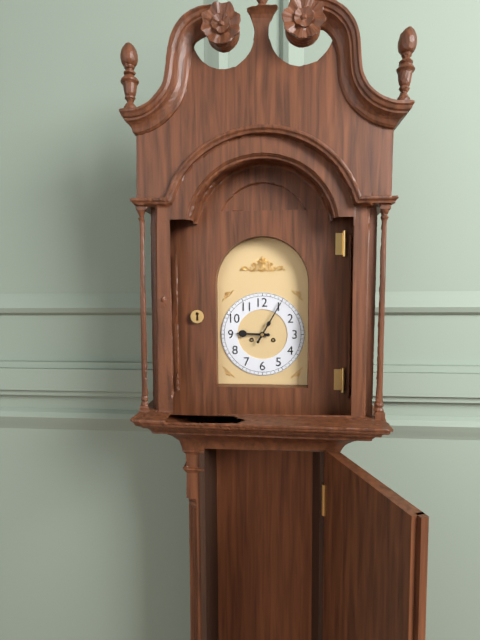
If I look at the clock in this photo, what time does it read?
9:05
